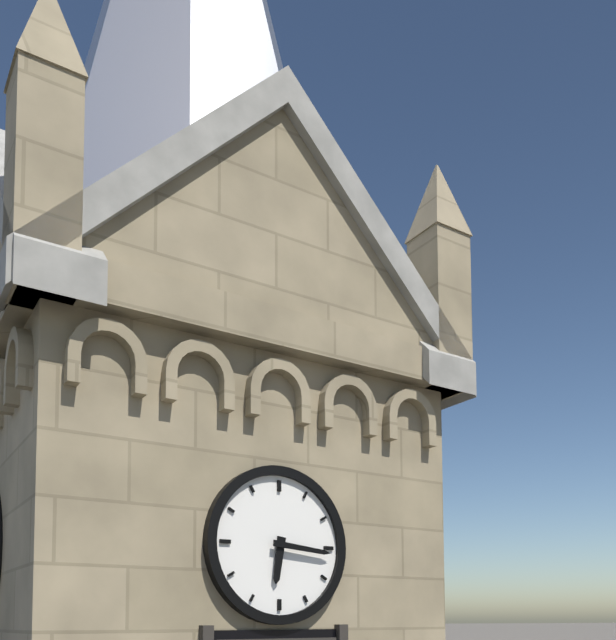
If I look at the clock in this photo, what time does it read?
6:16
